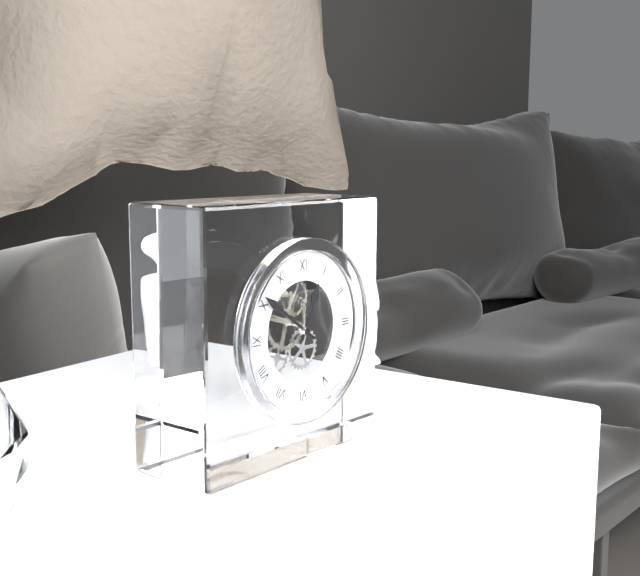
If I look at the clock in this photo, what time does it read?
12:51
